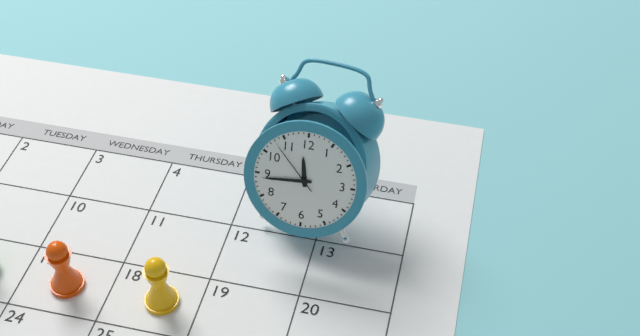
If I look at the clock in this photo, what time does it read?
11:44:53
